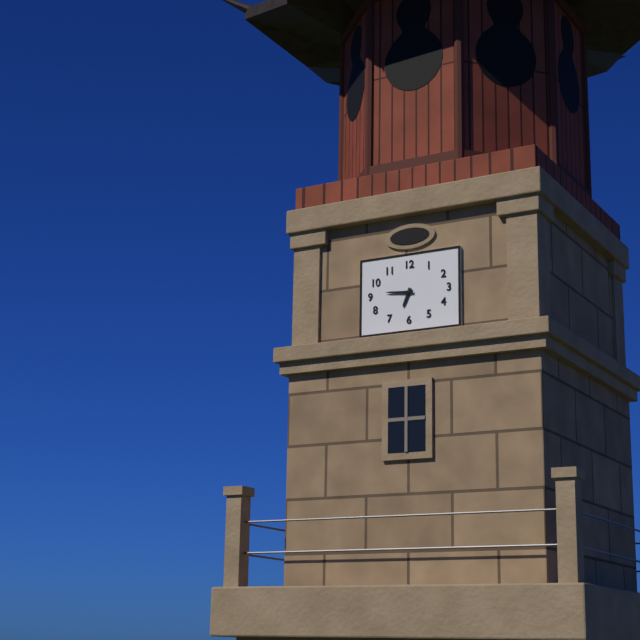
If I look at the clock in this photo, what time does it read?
6:46
